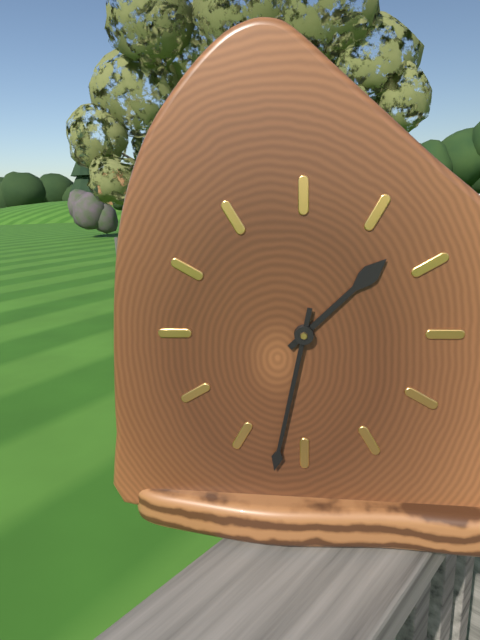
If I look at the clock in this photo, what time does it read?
1:32
